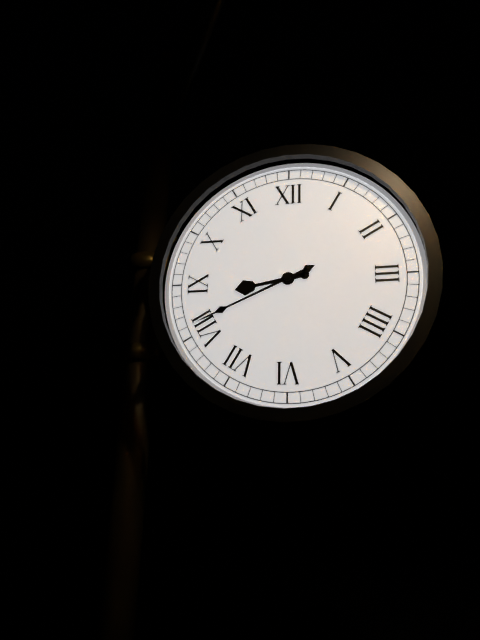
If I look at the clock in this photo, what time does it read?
8:41
